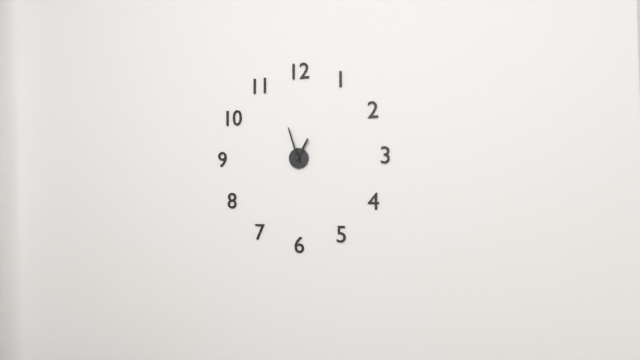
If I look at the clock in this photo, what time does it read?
12:57
